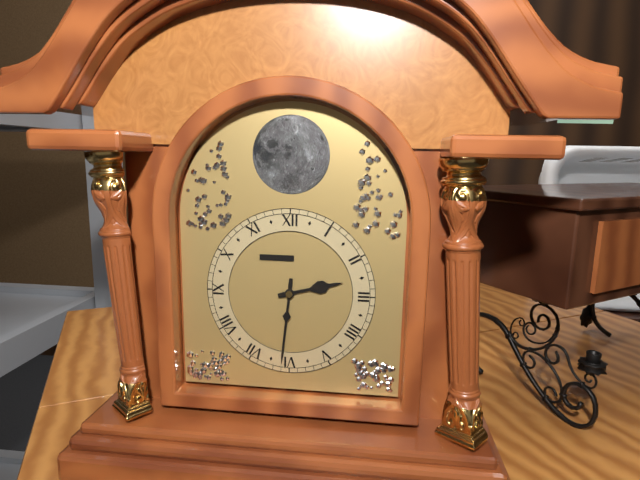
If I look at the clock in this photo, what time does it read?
2:31
